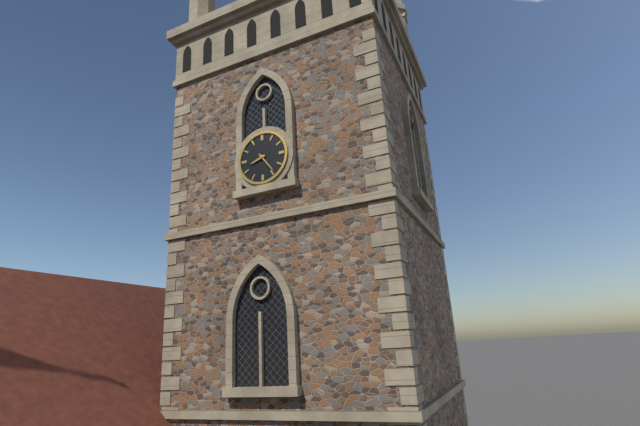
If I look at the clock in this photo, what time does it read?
8:24
